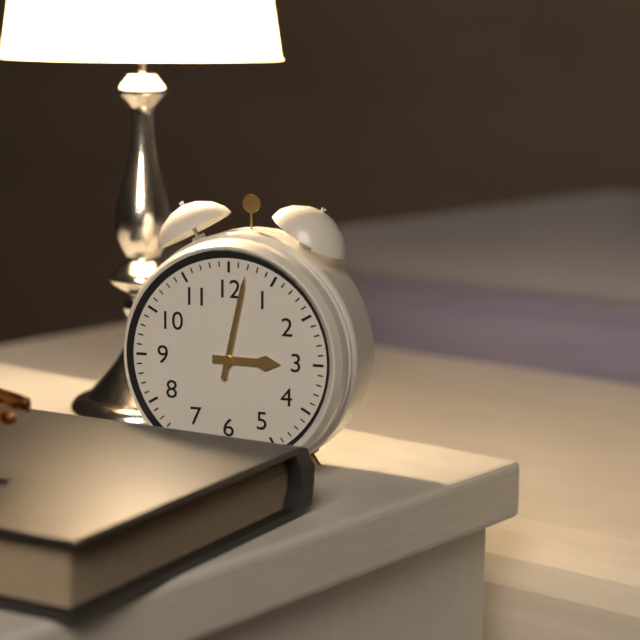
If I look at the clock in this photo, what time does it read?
3:02
